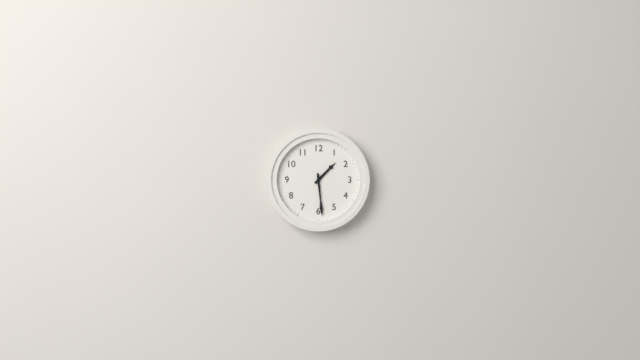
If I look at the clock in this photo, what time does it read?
1:29
